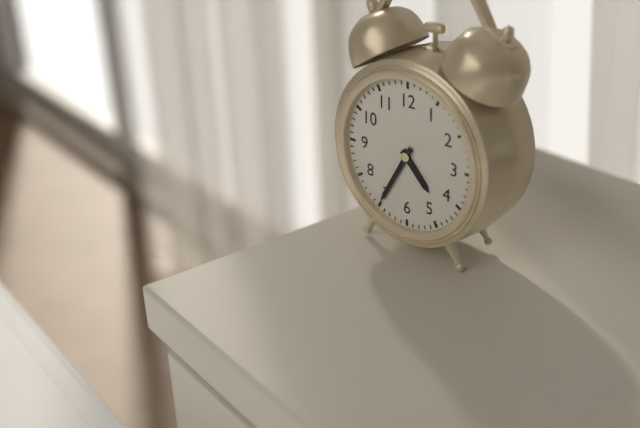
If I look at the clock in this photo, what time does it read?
4:35
